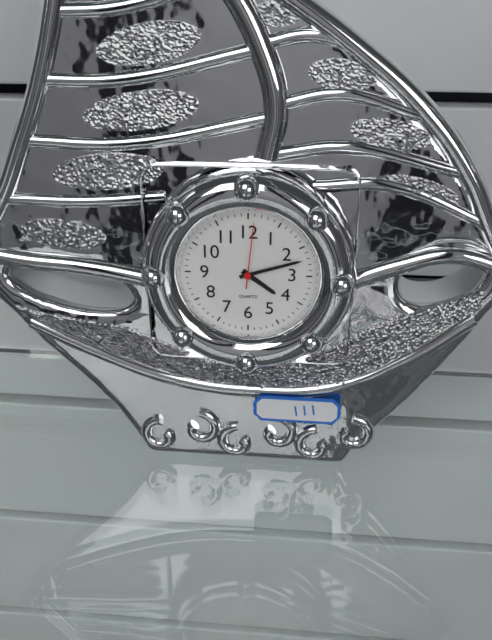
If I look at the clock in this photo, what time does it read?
4:12:01
